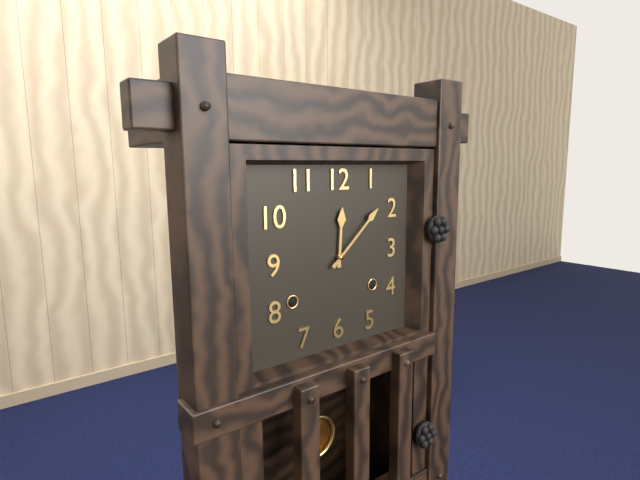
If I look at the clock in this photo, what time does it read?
12:08
